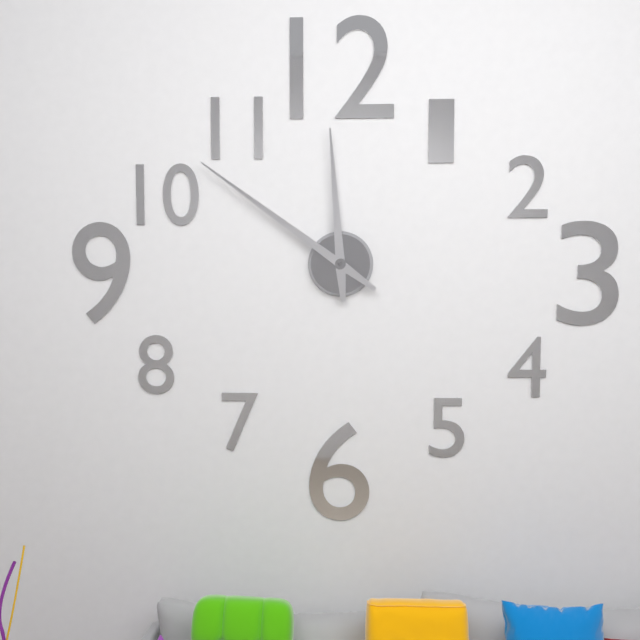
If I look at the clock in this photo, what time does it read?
11:51
